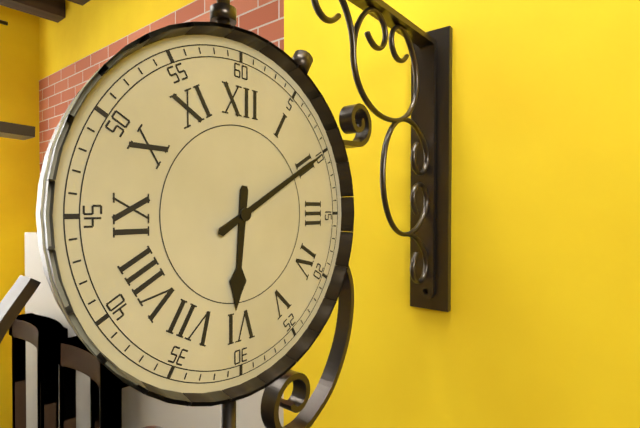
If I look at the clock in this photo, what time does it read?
6:10
